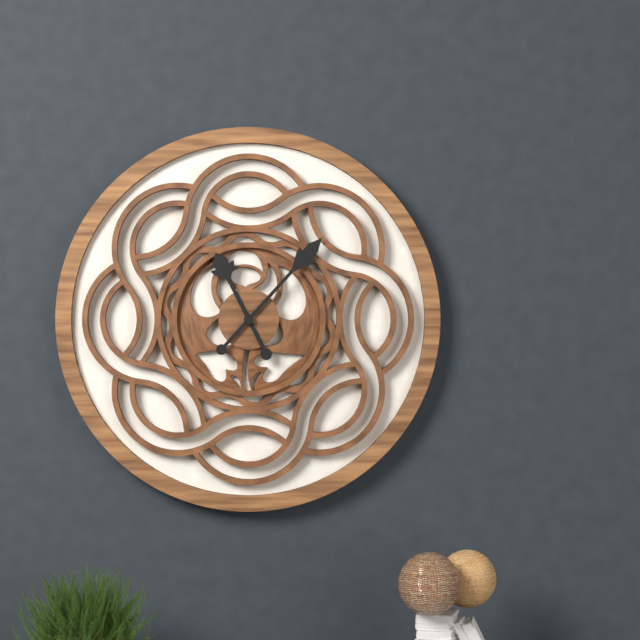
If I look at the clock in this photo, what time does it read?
11:07
